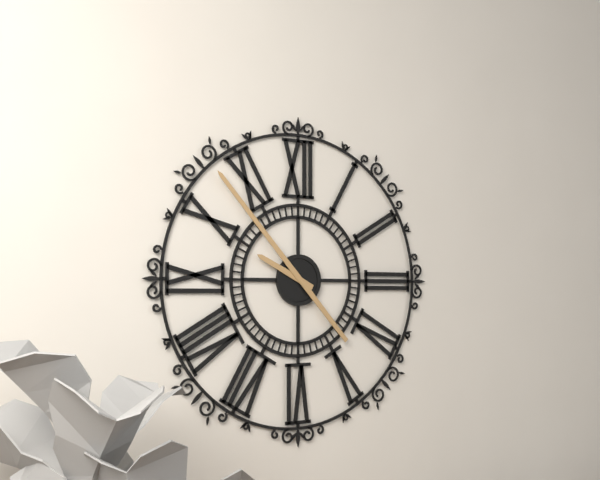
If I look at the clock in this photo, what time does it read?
9:53
